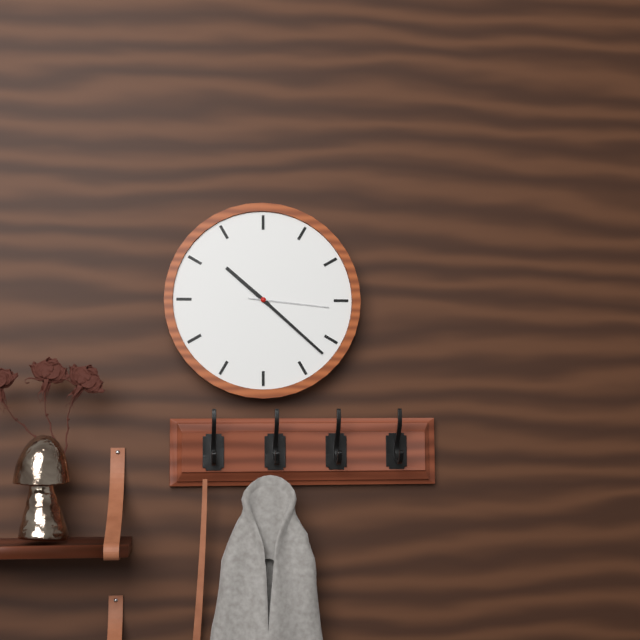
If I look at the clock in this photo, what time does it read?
10:22:16
